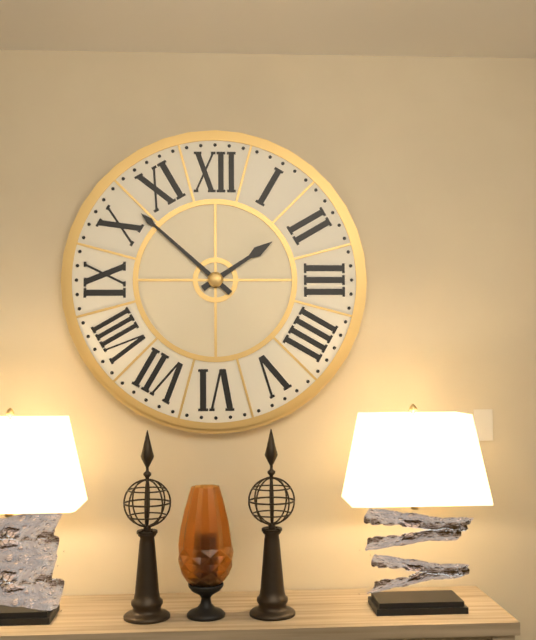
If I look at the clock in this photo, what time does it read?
1:52
